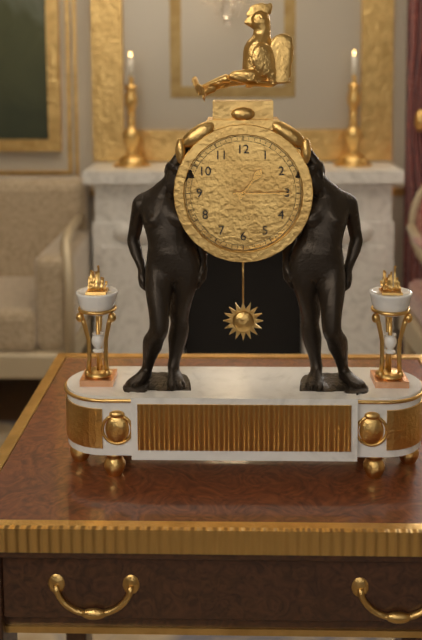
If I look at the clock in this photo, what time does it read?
1:15
